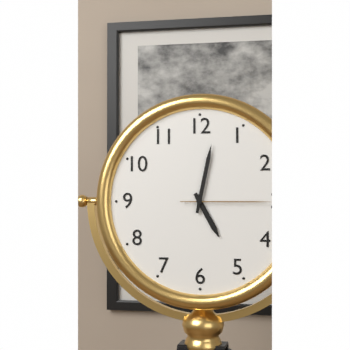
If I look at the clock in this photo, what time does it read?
5:02:15
